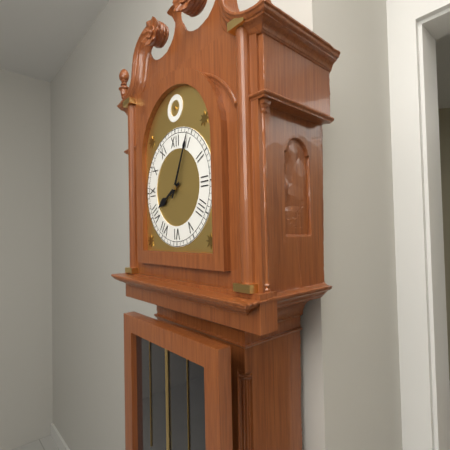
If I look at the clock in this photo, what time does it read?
8:04
